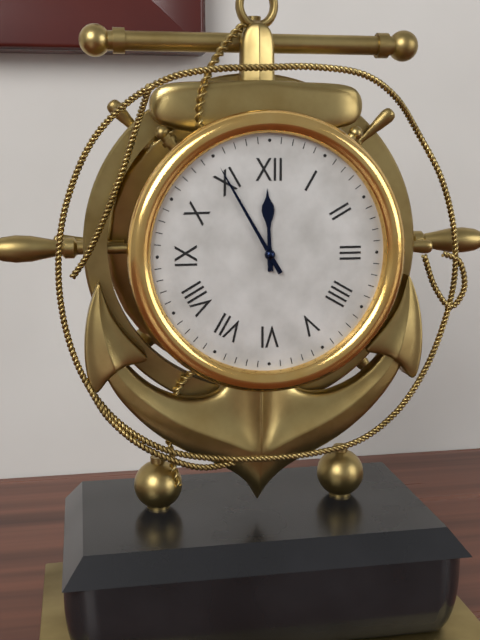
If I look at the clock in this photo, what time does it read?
11:55
